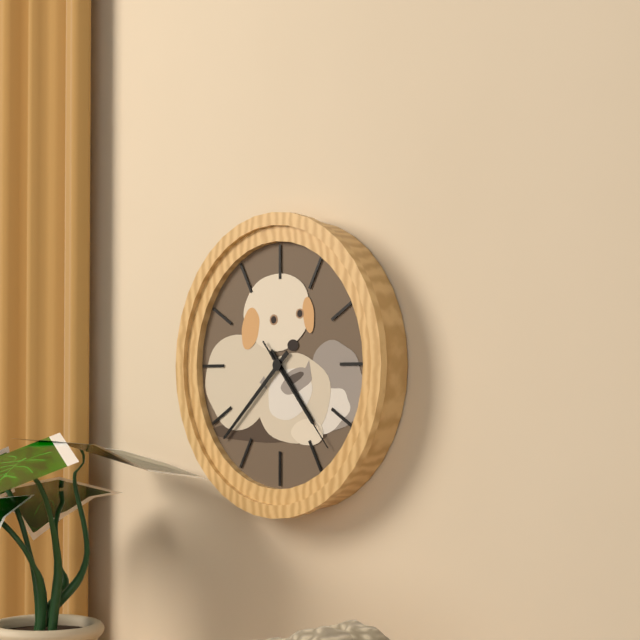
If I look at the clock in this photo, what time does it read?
4:38:23
